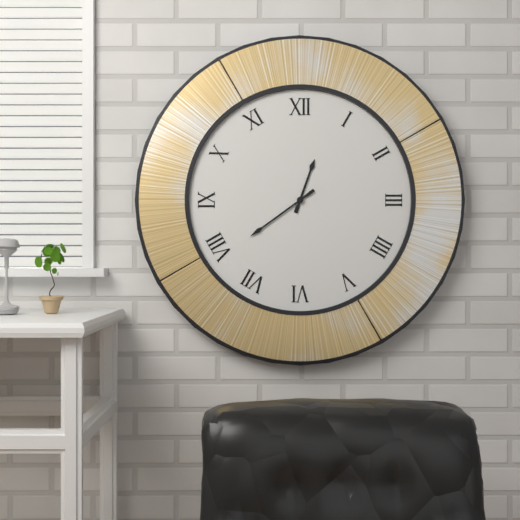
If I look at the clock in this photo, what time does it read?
12:39
